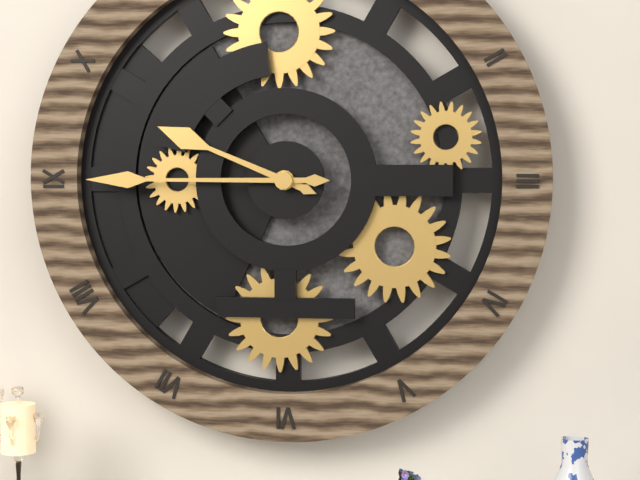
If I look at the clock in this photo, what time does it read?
9:45
